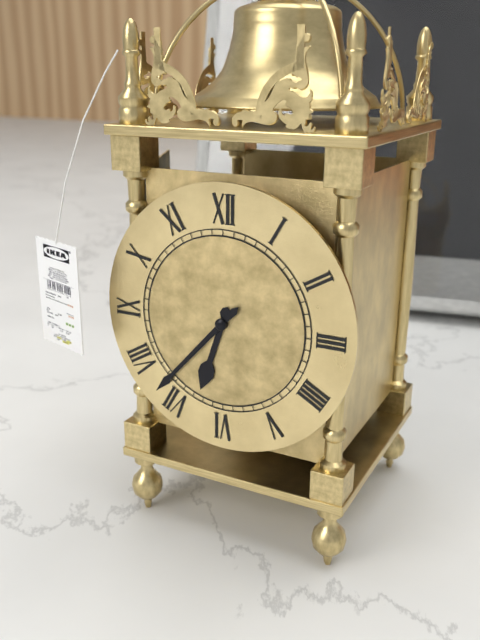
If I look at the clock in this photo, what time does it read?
6:37
